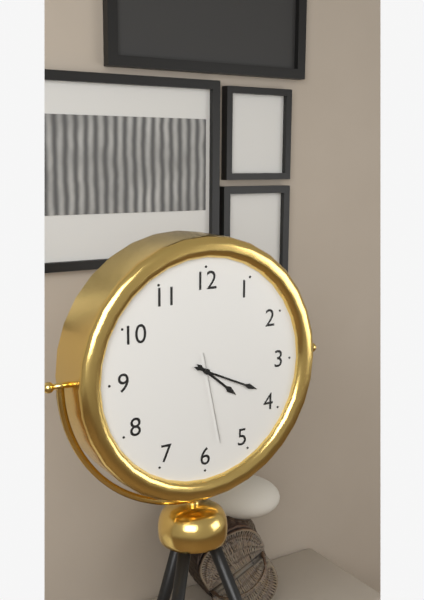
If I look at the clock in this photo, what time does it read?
4:19:28
